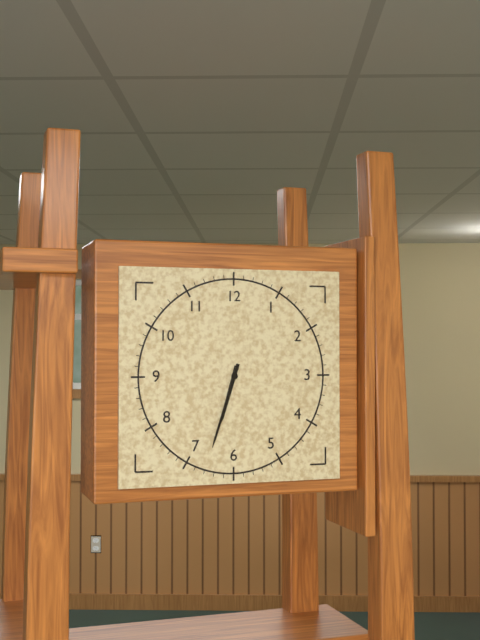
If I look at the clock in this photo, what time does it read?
6:33
